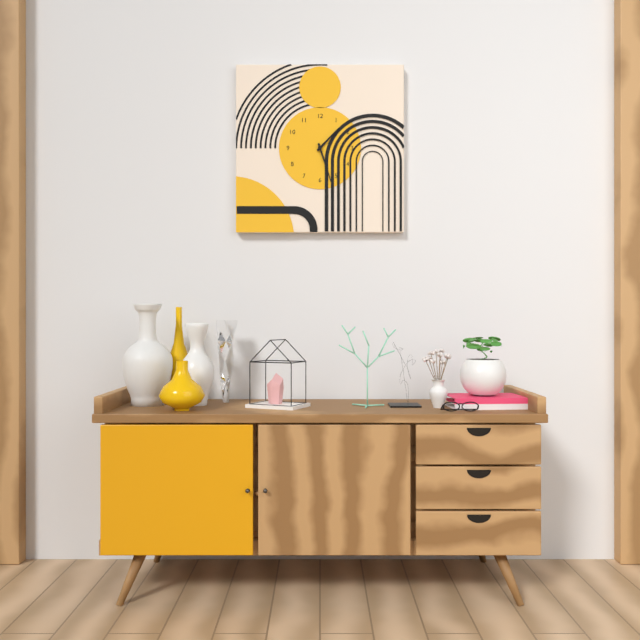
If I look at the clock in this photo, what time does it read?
1:27
